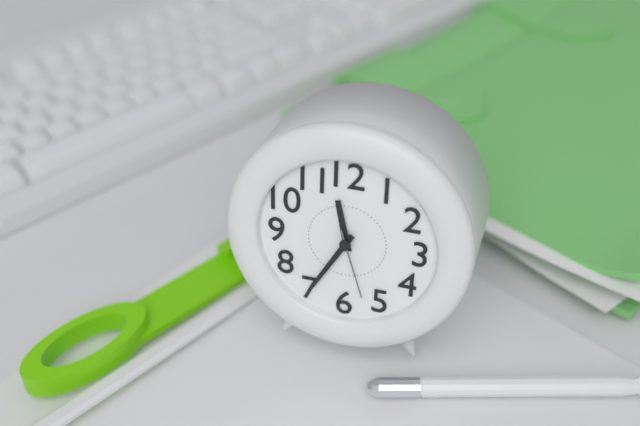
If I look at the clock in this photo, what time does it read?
11:35:27
